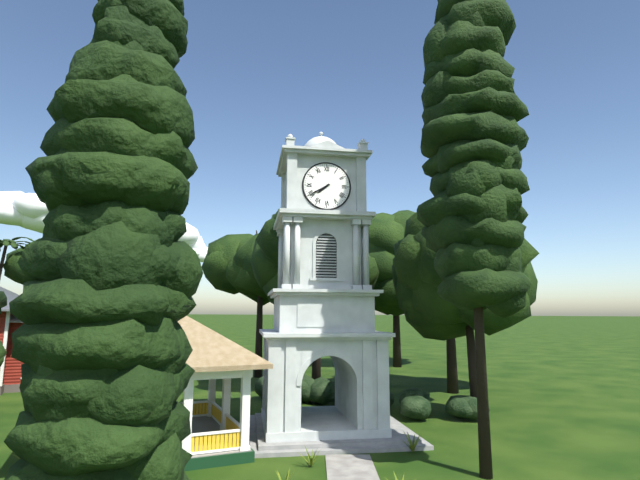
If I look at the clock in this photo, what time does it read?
7:40
